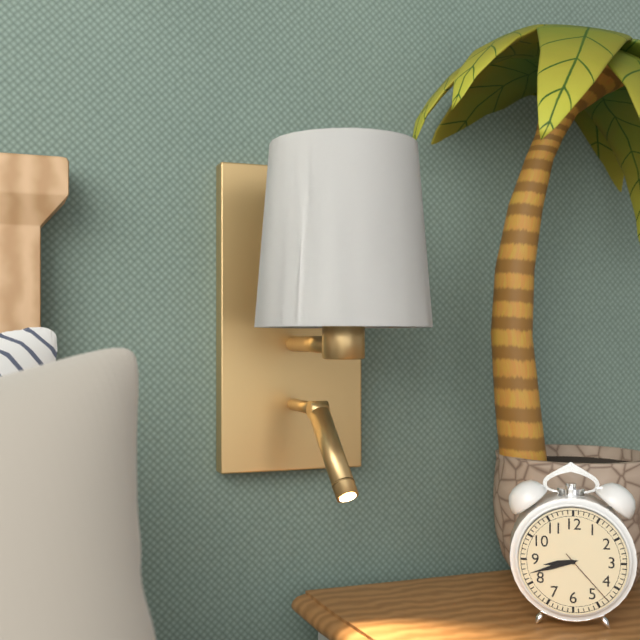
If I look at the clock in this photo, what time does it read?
8:42:23
